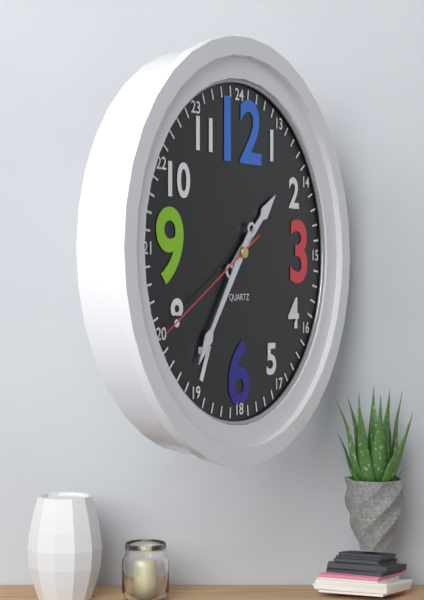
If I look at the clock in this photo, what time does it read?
1:36:40
